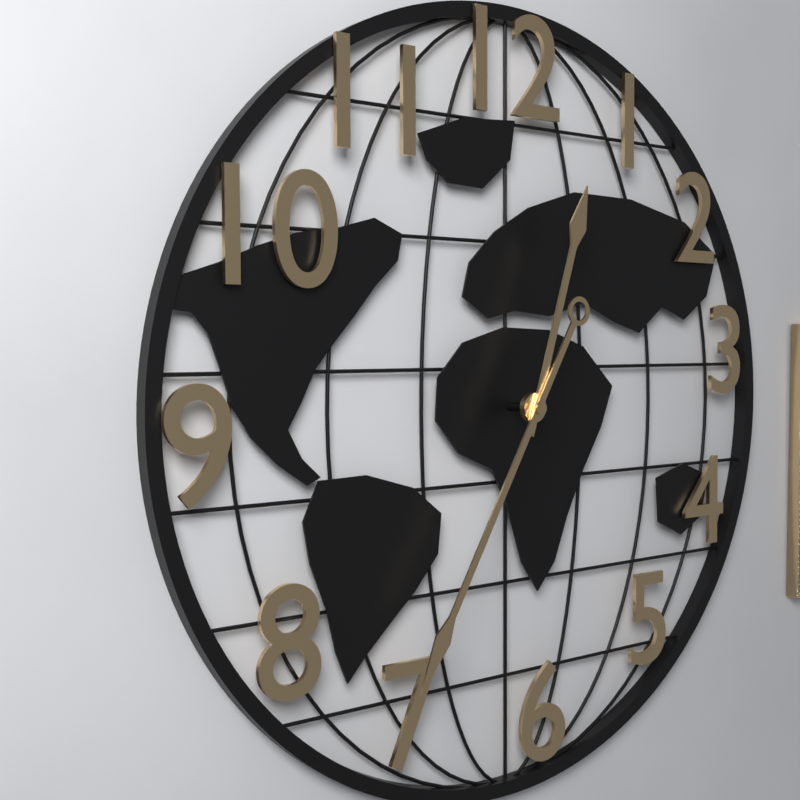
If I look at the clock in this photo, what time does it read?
12:35
